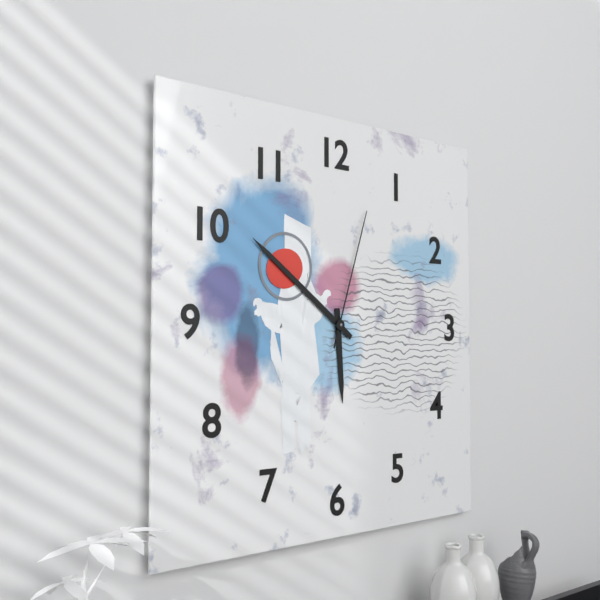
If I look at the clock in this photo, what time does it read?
5:51:03
